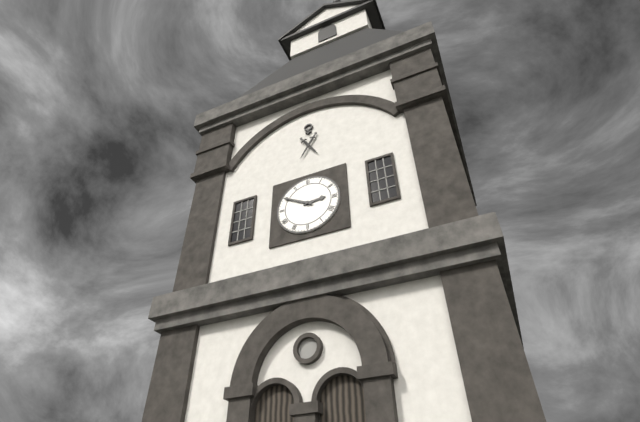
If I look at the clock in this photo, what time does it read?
2:50
